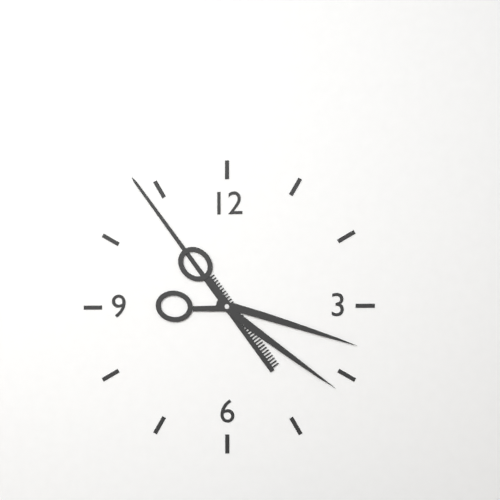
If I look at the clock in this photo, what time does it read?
3:54
